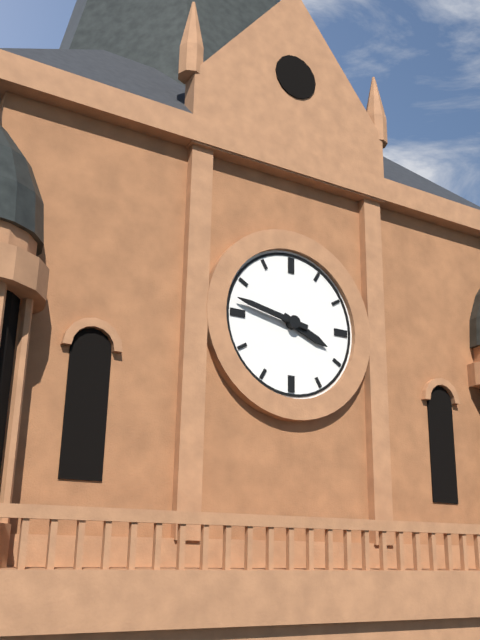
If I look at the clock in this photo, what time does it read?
3:47
